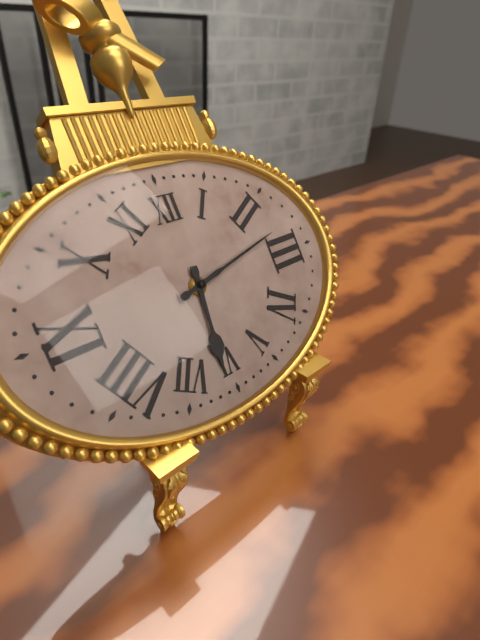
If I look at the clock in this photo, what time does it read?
6:13
